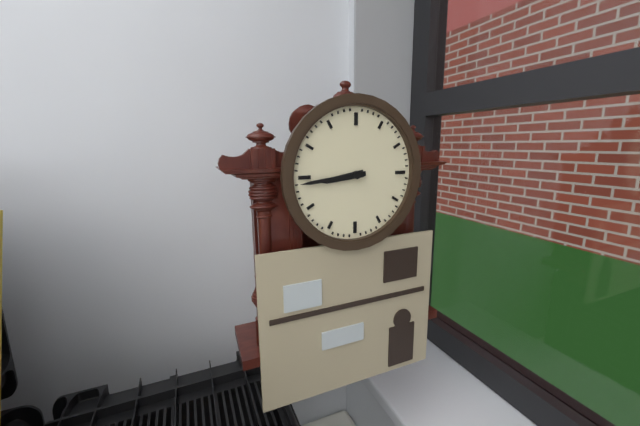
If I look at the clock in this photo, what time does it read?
8:44
